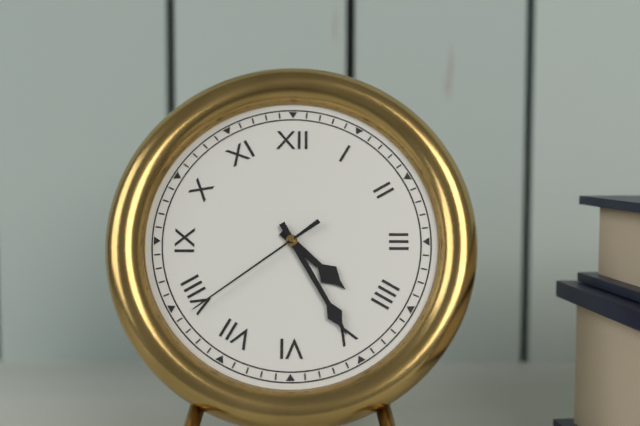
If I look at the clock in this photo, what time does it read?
4:25:39
